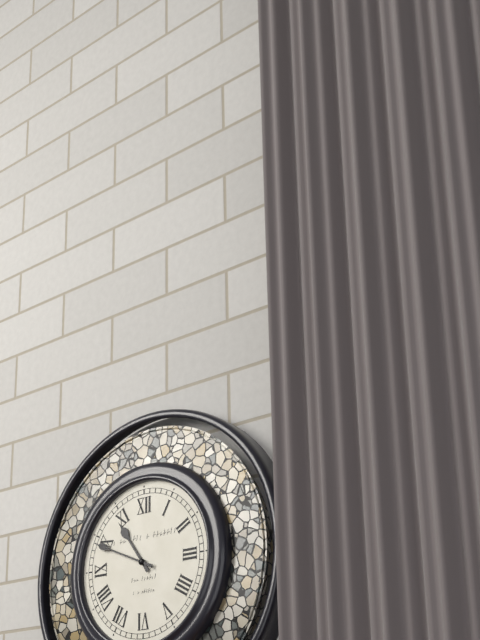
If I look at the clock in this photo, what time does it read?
10:49
